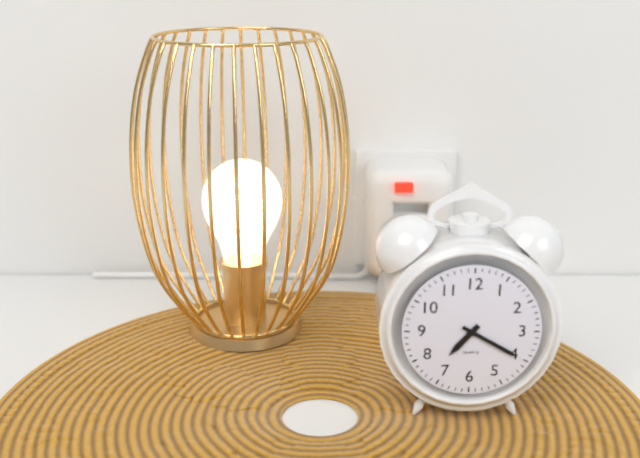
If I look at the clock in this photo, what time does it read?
7:20
